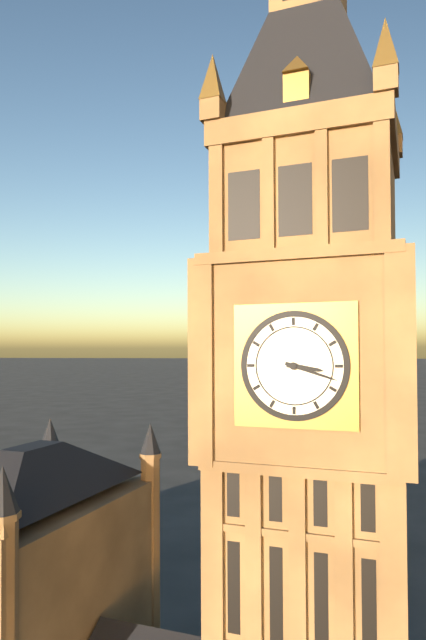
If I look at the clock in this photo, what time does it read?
3:18
